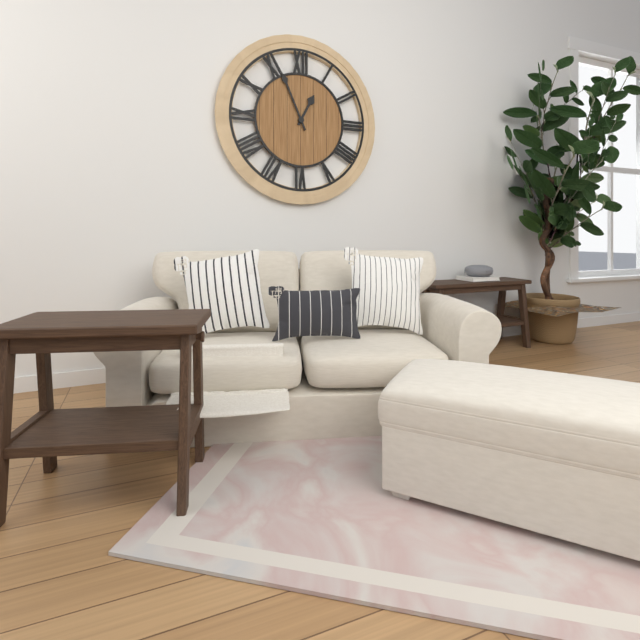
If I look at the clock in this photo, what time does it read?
12:56
